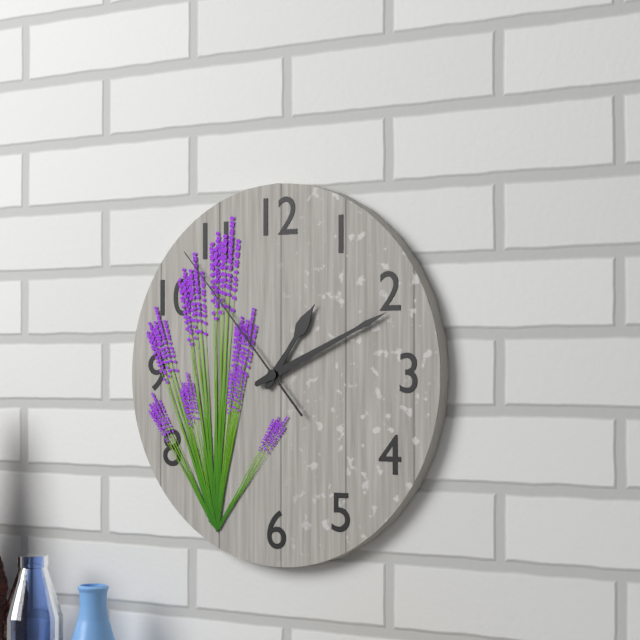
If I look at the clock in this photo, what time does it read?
1:11:53
